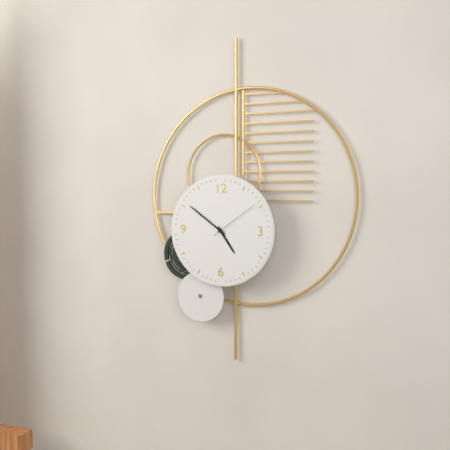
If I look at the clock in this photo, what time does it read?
4:51:09
